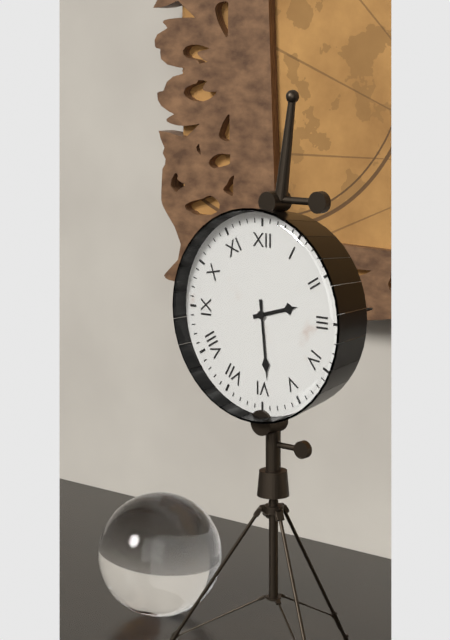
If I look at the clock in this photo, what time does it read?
2:29
